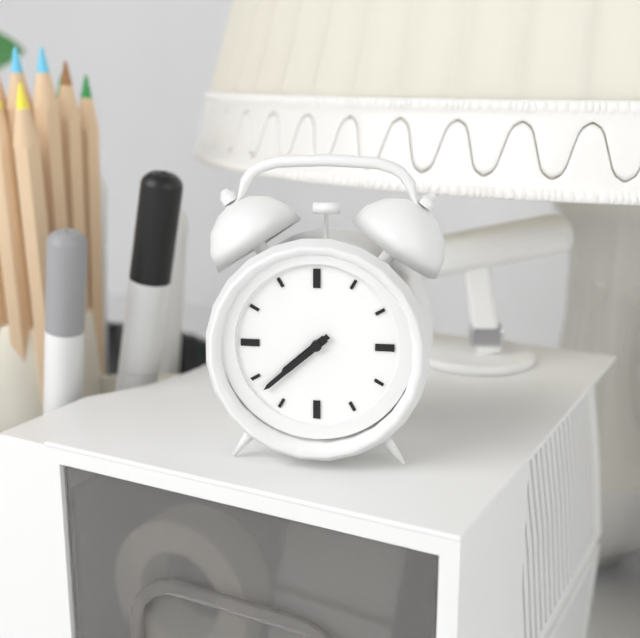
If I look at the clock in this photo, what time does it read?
7:38
